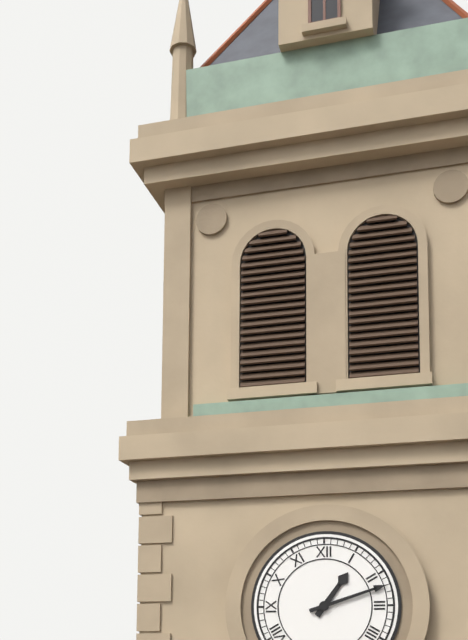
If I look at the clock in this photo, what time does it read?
1:12
